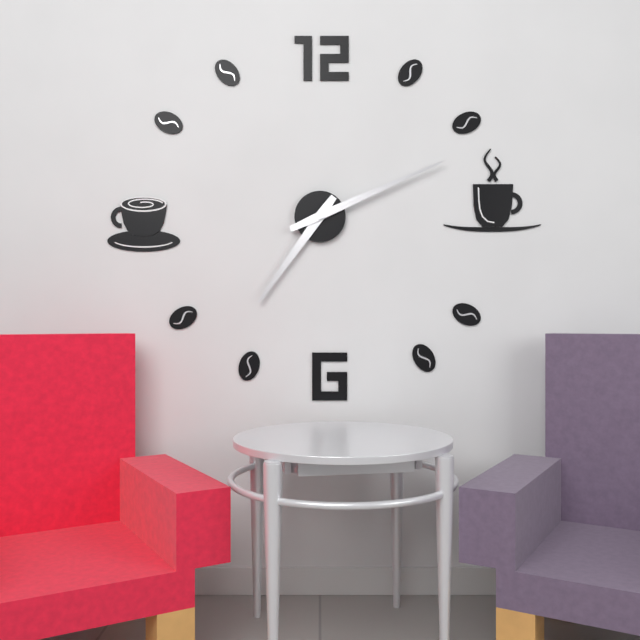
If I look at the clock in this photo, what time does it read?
7:11
